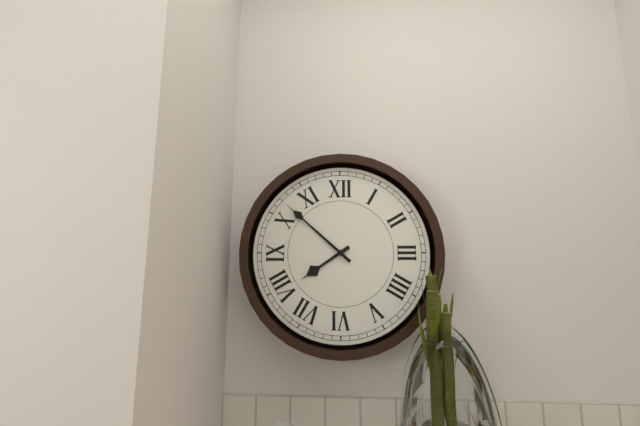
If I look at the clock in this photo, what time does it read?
7:52
